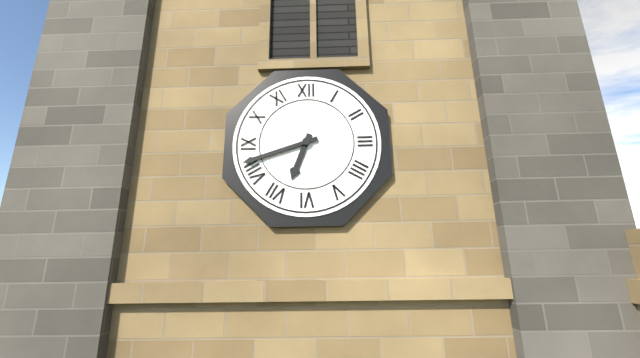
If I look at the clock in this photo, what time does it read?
6:42
